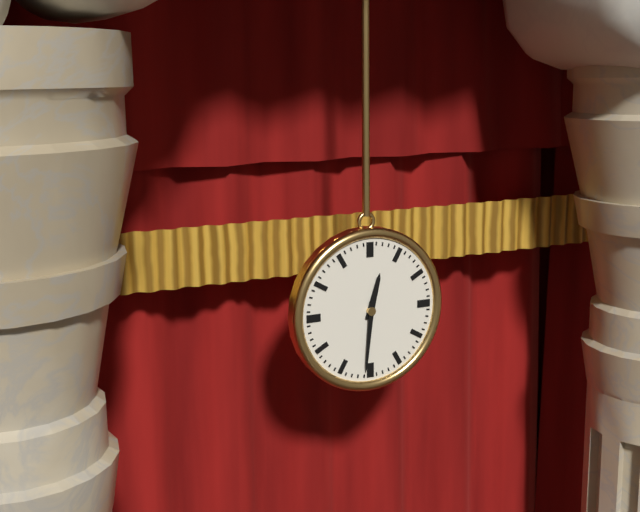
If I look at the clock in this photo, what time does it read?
12:31
